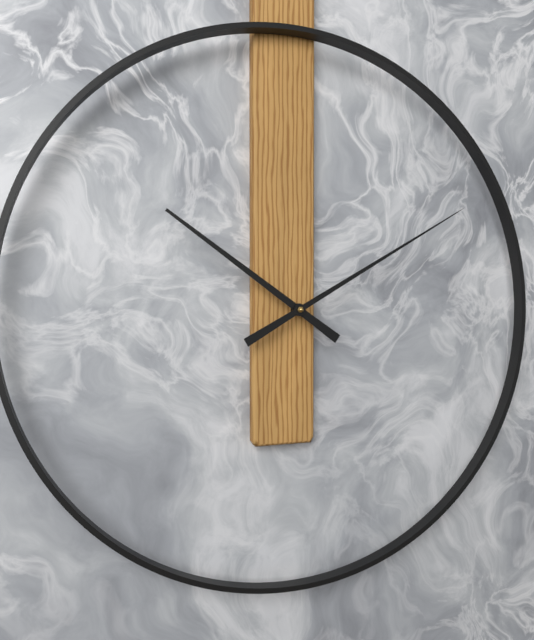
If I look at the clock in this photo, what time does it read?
10:10
